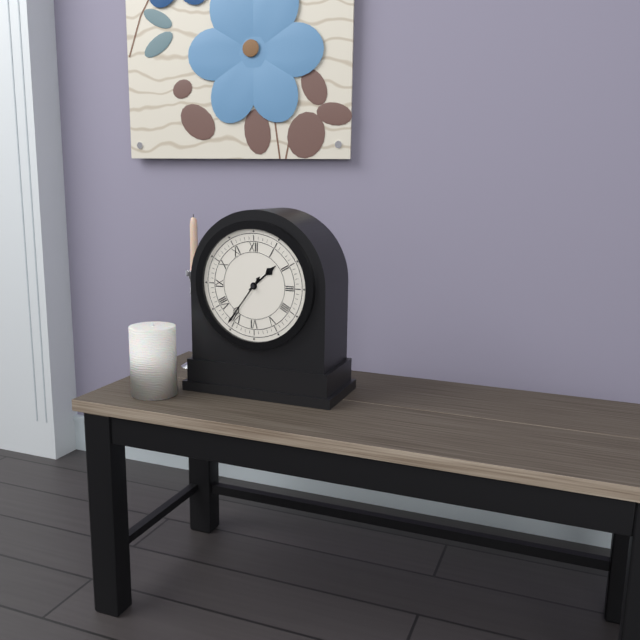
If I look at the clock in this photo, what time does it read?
1:36
